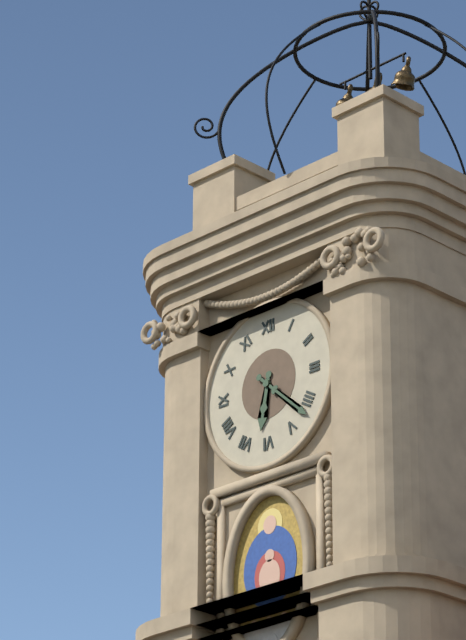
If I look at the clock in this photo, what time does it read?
6:22
